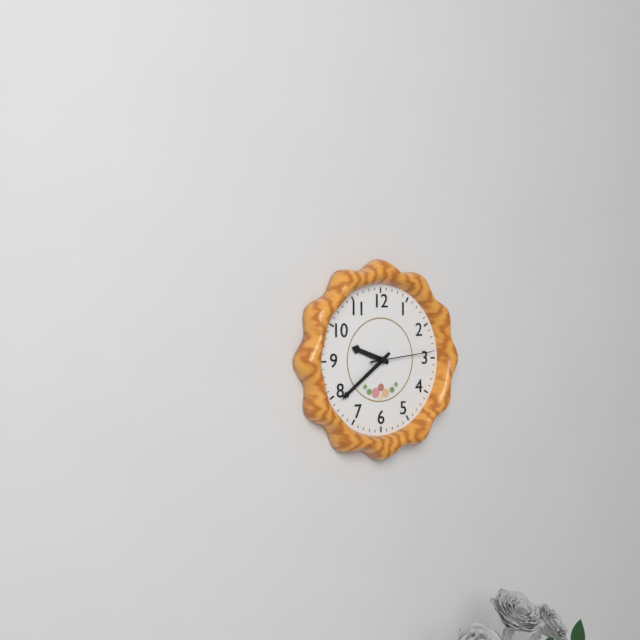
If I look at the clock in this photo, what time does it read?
9:39:14
